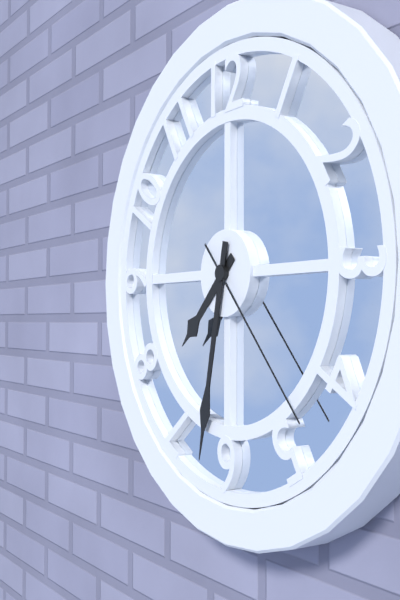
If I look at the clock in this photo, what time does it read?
7:32:23
